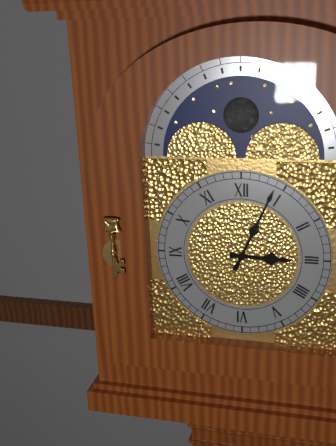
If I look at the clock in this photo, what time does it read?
3:04
